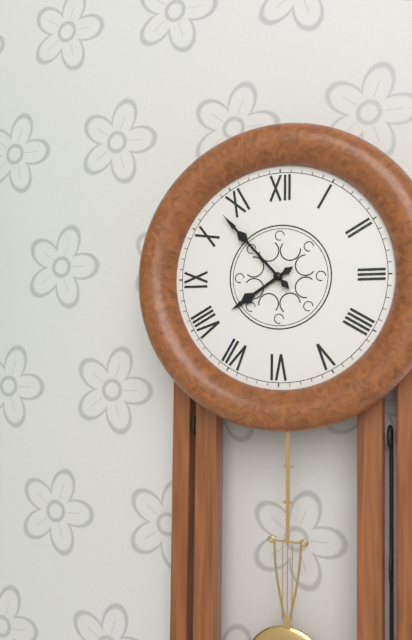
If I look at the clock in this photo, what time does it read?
7:53
